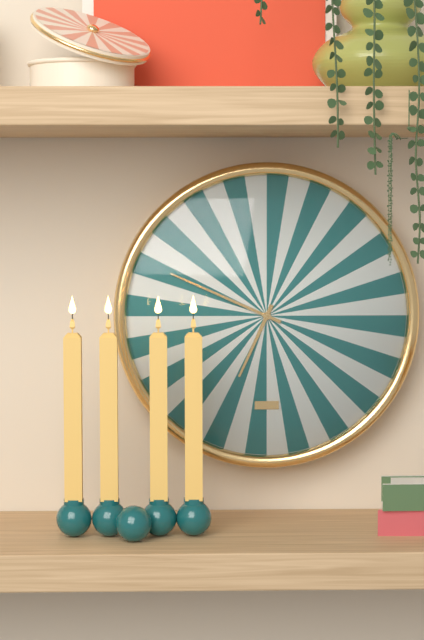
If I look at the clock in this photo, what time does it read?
6:49
